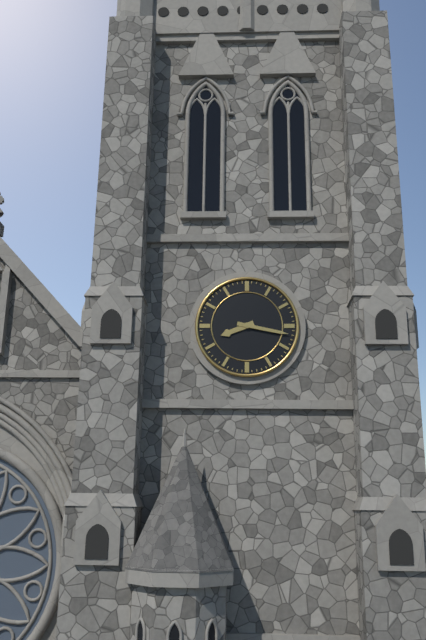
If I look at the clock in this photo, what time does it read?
8:17
